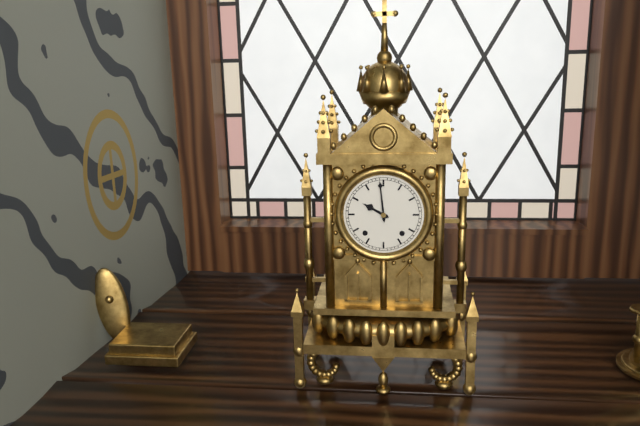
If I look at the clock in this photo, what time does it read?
9:59
